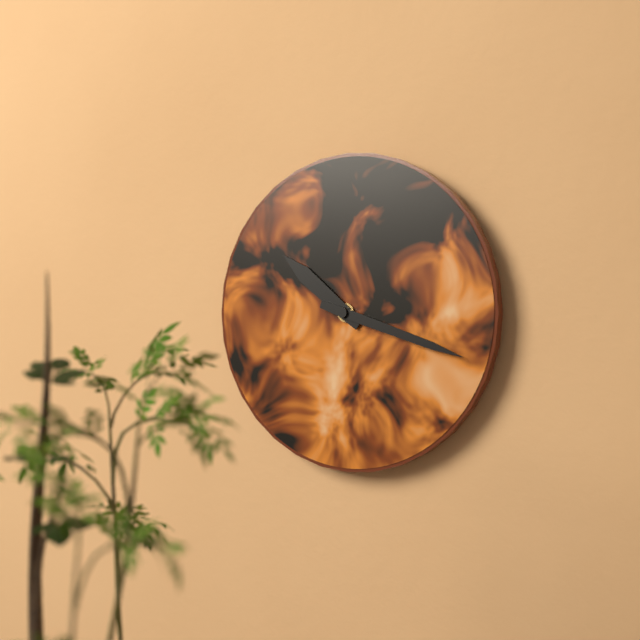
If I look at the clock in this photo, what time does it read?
10:18
